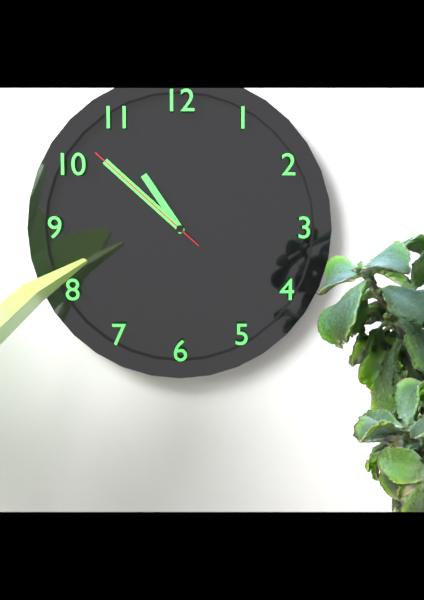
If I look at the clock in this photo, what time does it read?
10:52:52
